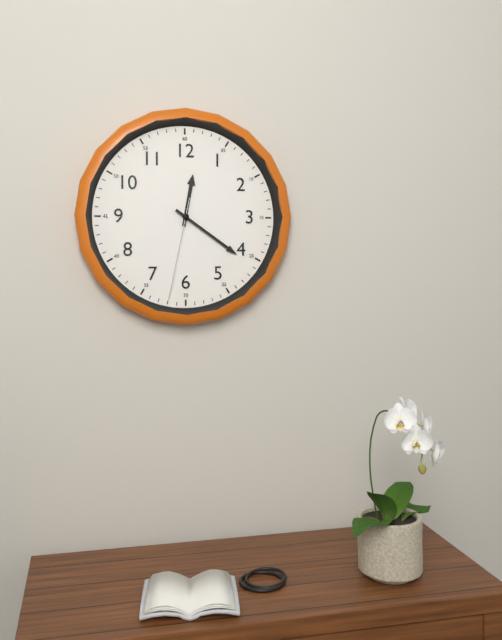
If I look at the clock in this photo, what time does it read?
12:21:32
